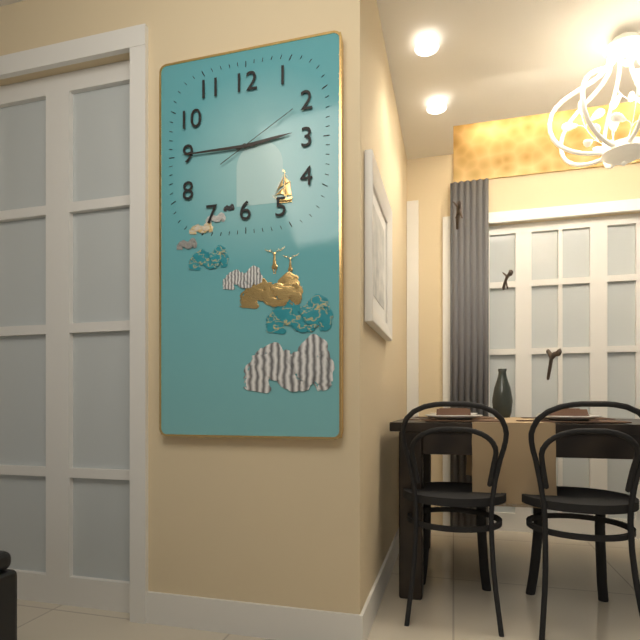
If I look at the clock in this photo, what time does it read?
2:45:10
